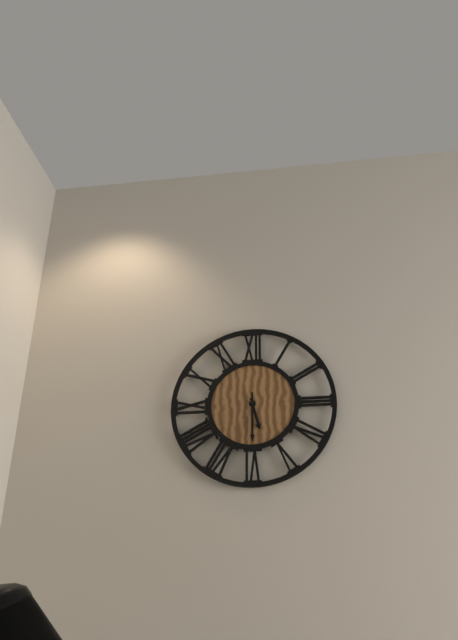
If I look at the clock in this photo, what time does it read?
5:30
